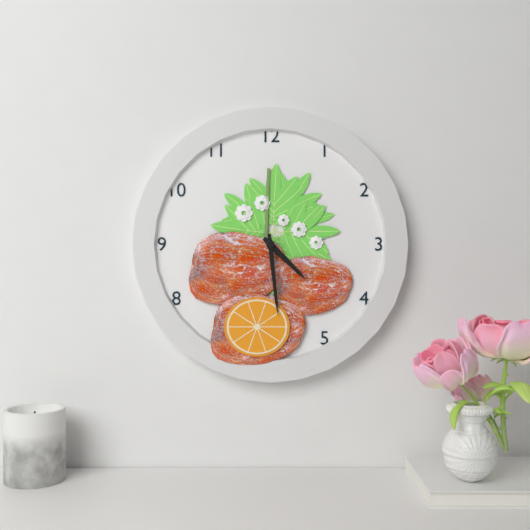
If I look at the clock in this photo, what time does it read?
4:29
